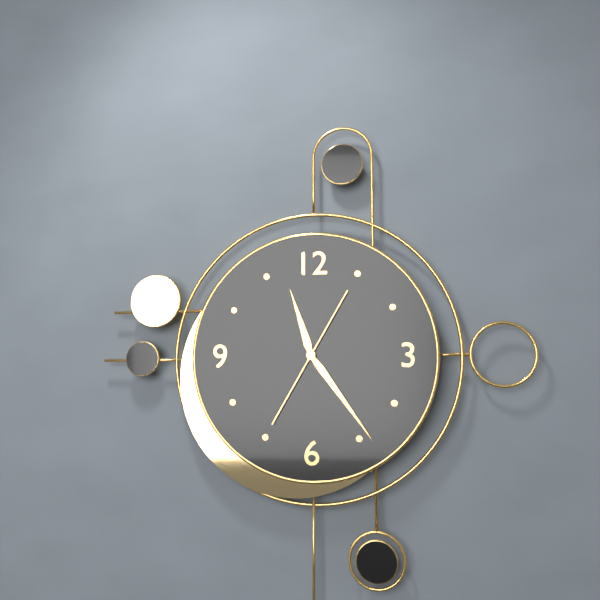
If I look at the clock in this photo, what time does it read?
11:24:35
